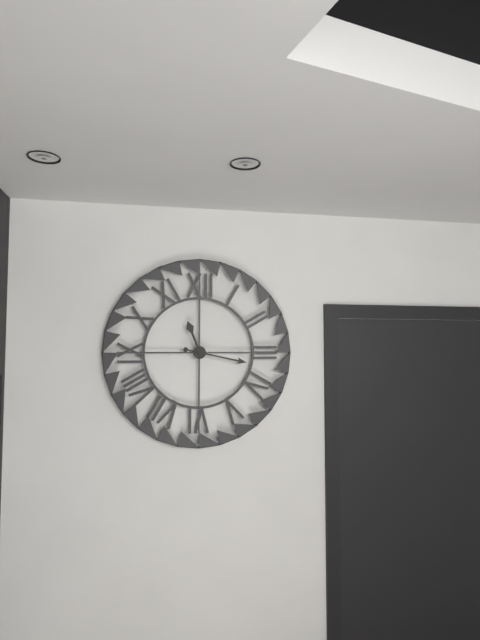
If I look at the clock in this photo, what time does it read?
11:17
